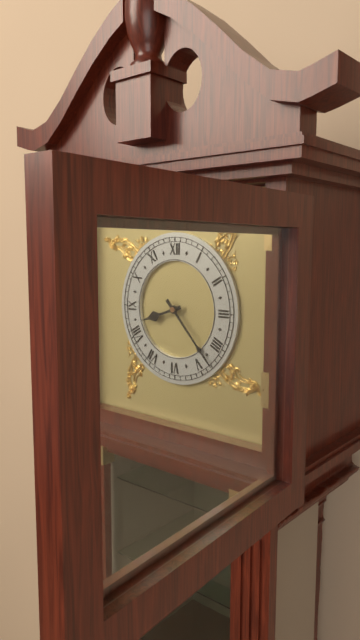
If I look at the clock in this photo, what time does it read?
8:23
